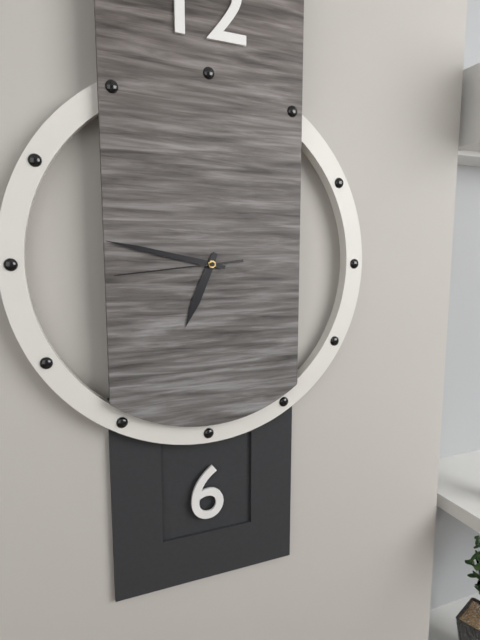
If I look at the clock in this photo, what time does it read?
6:47:44
